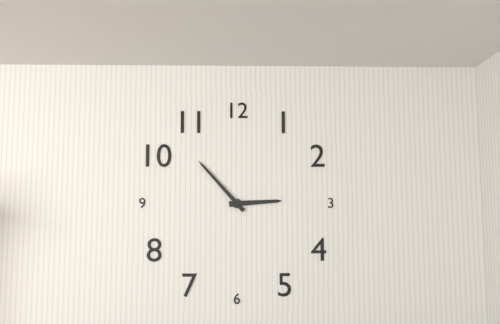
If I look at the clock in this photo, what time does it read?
2:53
